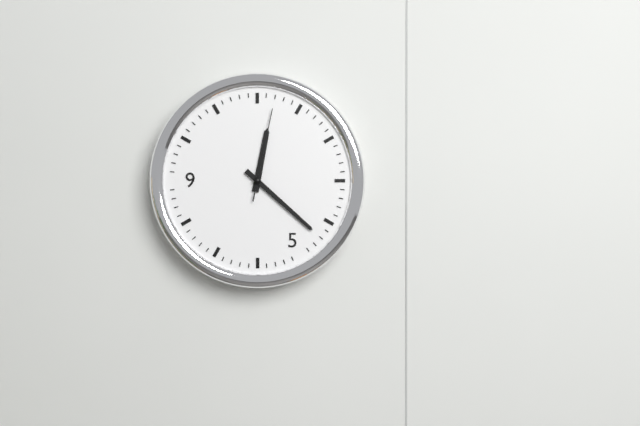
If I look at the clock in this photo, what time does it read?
12:22:02
